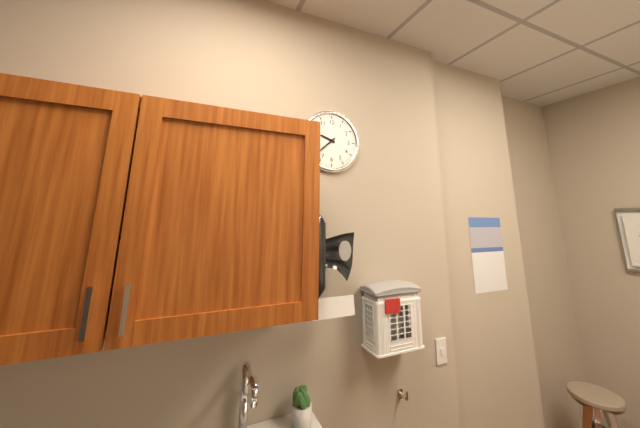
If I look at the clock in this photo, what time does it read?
9:38
